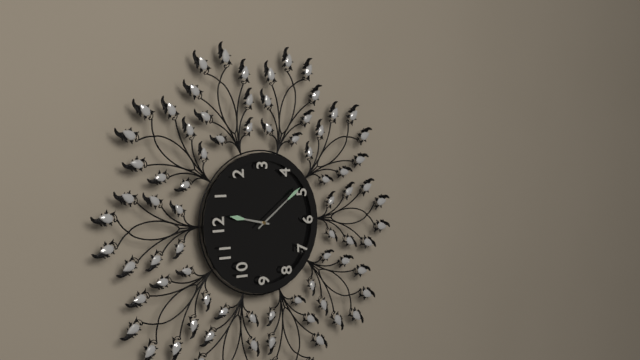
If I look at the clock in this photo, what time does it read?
12:24
